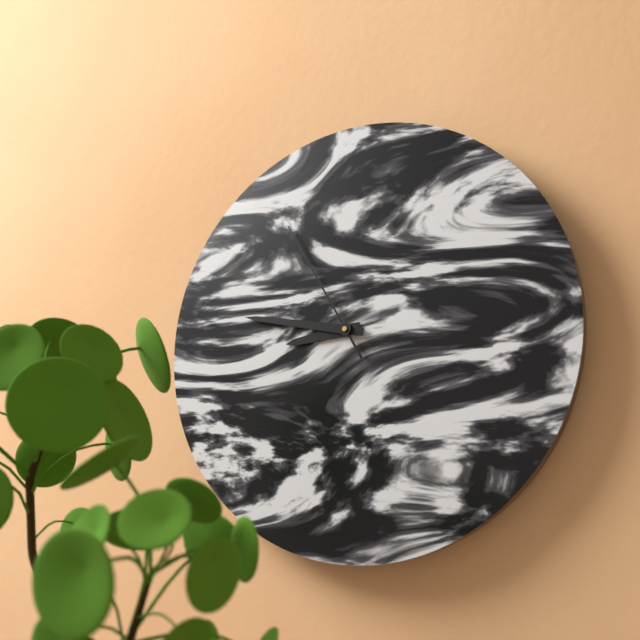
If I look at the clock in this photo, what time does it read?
8:47:55
